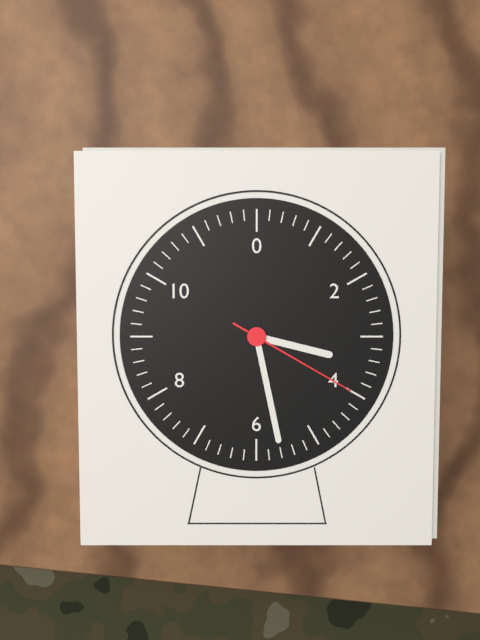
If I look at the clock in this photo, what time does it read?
3:28:20
